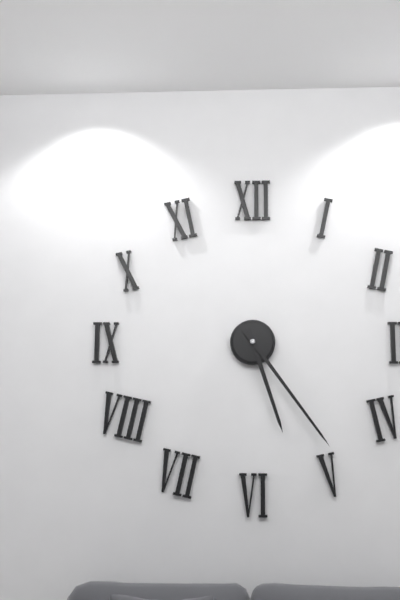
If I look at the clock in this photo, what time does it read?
5:24
